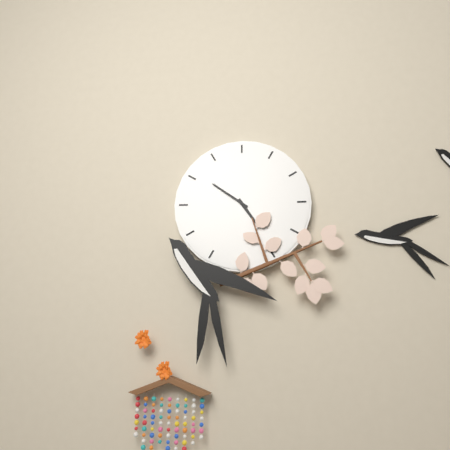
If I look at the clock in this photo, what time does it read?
4:51
